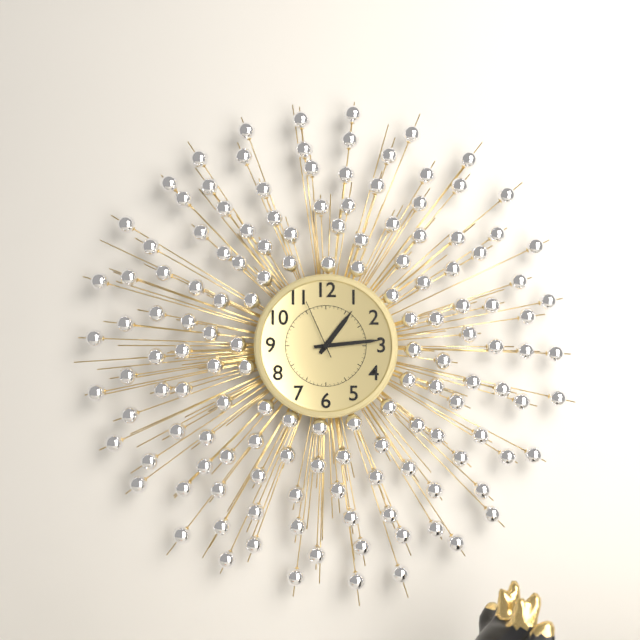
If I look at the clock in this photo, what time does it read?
1:14:56
